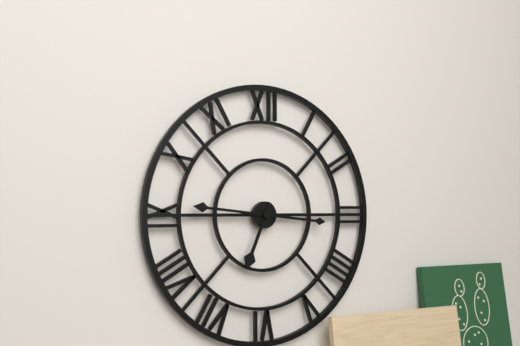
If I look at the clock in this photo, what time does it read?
6:46
